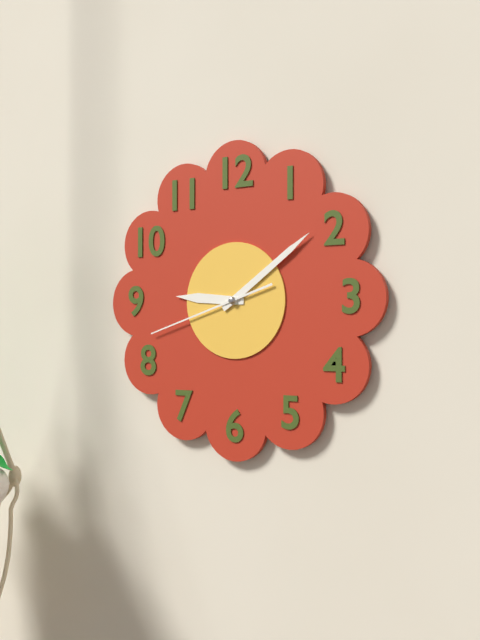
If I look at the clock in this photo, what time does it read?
9:09:42
